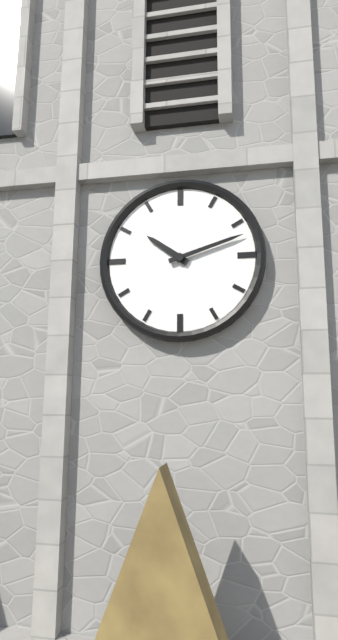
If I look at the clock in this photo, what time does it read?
10:12
